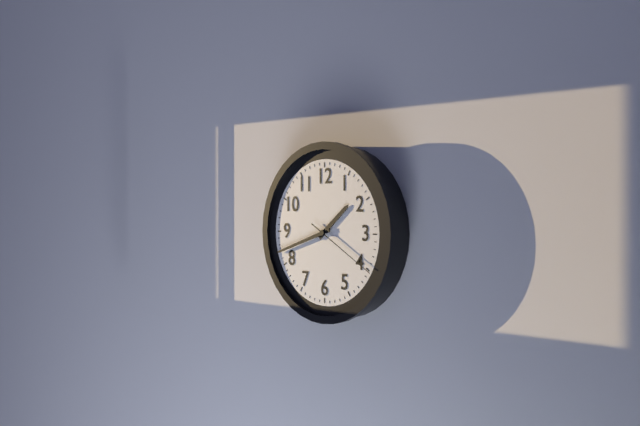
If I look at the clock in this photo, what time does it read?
1:42:20
